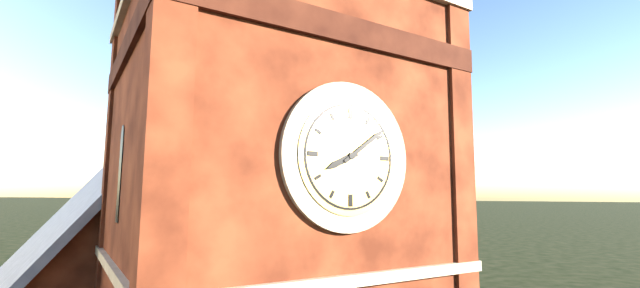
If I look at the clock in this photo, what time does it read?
8:09
